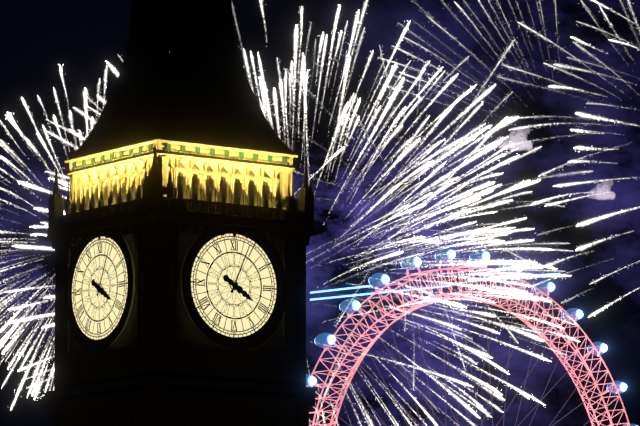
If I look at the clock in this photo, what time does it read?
4:04
